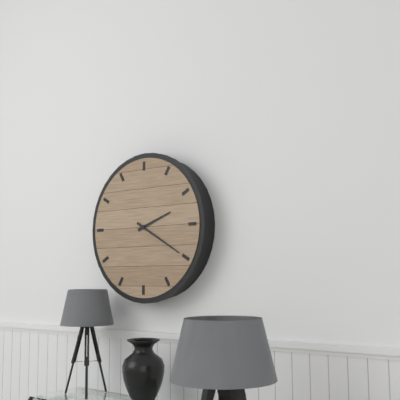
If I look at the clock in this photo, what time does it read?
2:20
